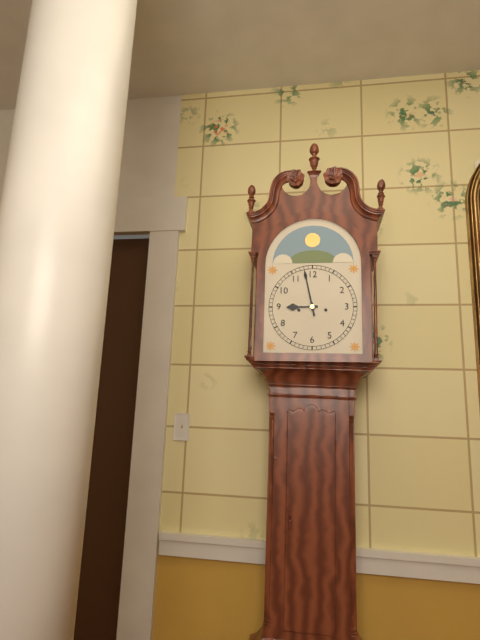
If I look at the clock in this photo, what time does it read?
8:58
